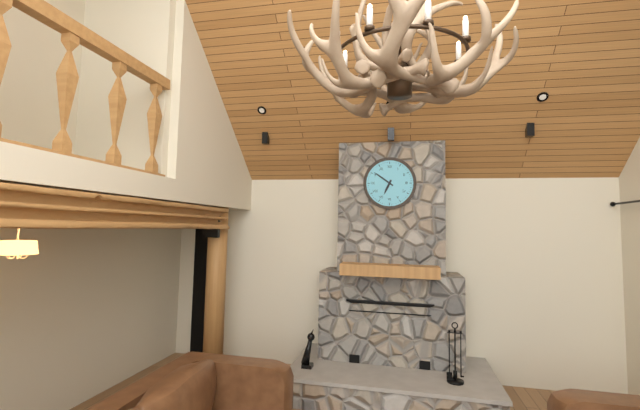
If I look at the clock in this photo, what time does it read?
6:51
